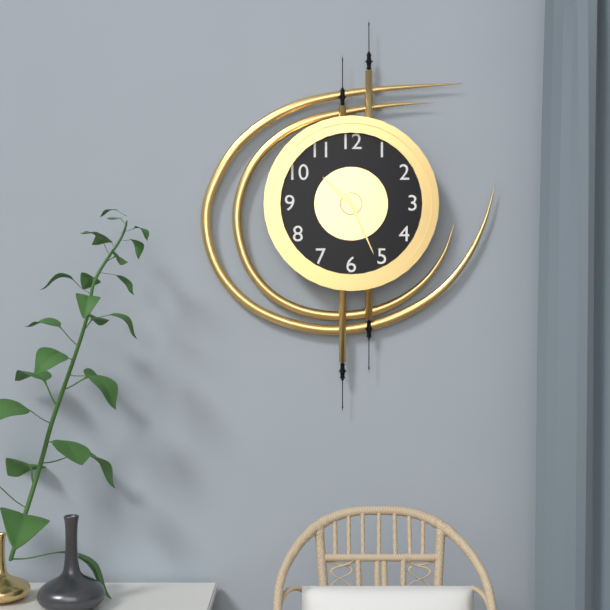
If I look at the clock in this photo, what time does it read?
10:26
